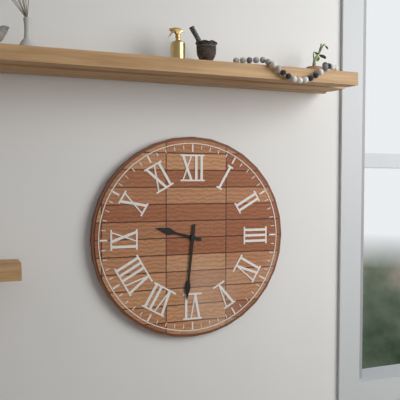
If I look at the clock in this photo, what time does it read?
9:31
